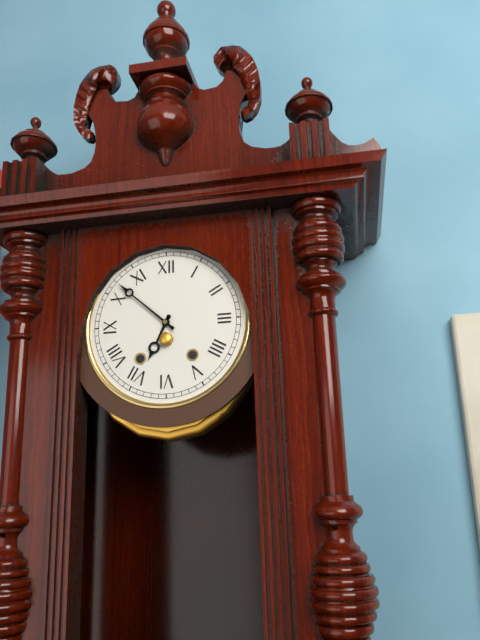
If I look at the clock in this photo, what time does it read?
6:52
